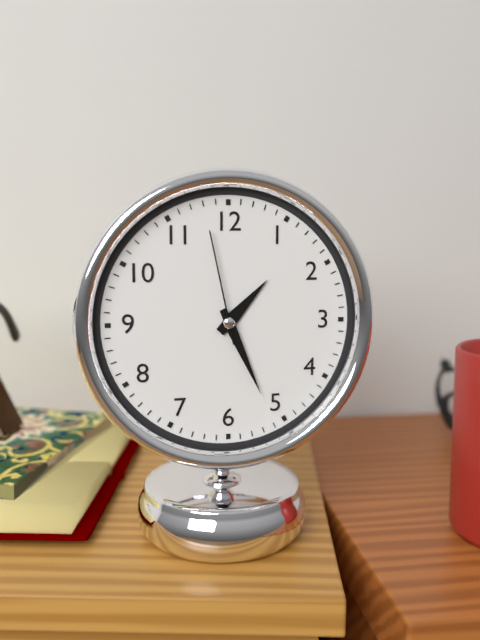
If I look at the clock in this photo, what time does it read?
1:26:58
